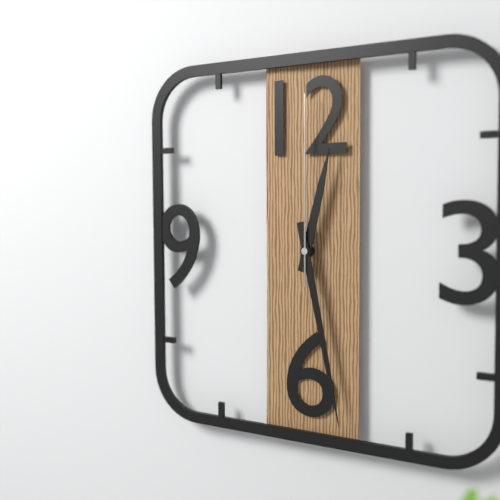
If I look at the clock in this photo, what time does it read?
12:28:00
